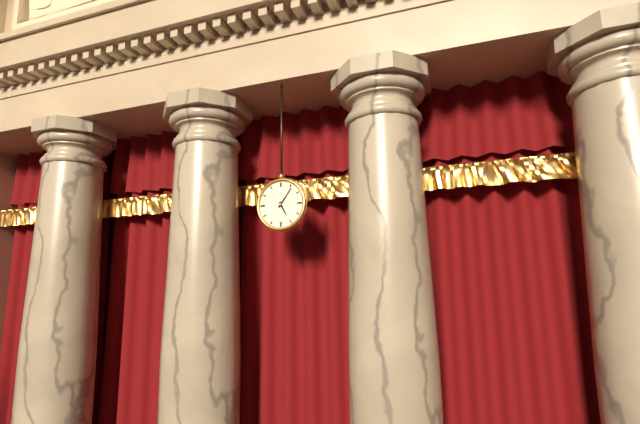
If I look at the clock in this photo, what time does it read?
5:06
